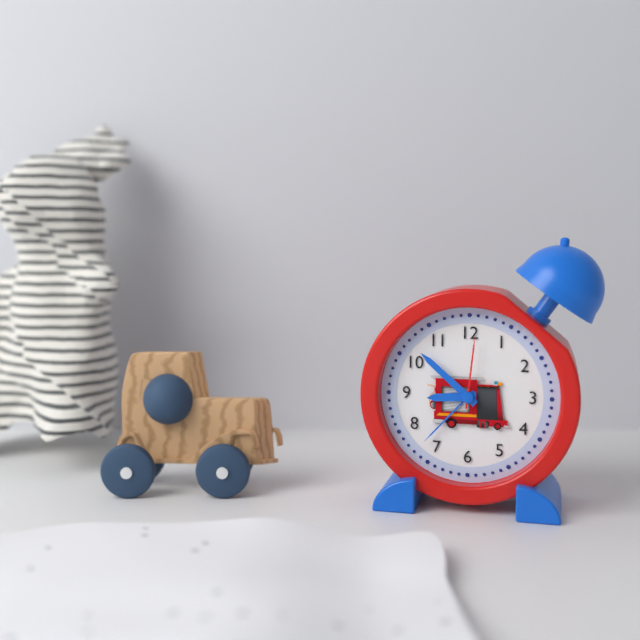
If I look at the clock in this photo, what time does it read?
8:52:01
